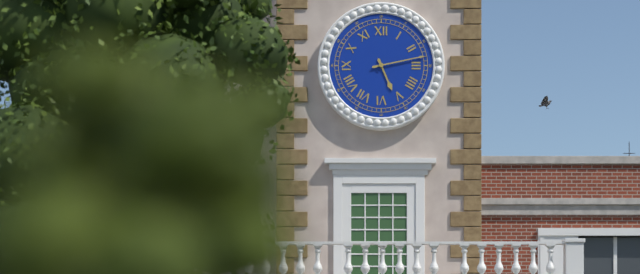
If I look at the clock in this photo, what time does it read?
5:13
